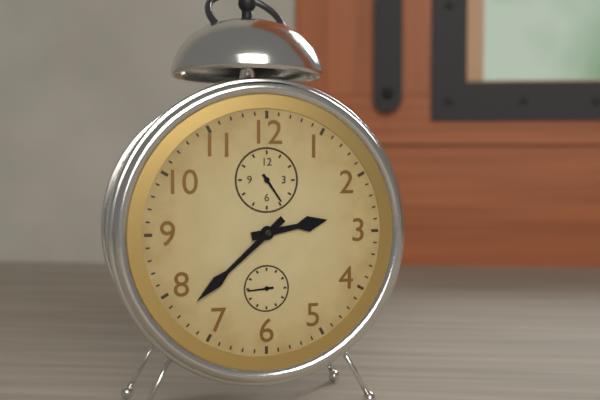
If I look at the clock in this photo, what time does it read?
2:38
